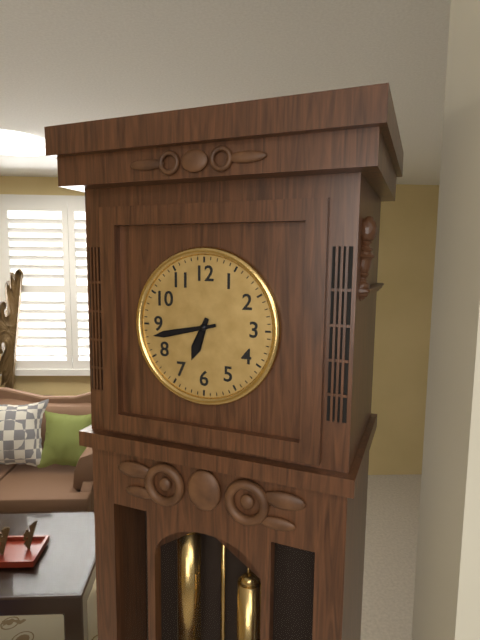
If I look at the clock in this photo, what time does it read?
6:43
